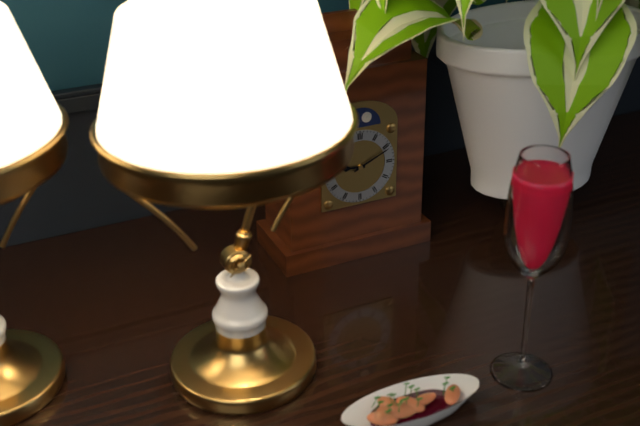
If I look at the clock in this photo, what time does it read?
9:11
